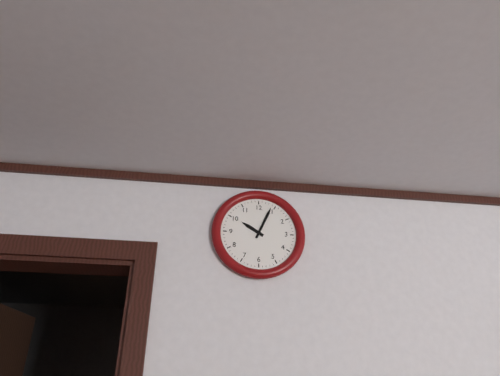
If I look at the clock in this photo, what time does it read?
10:04
